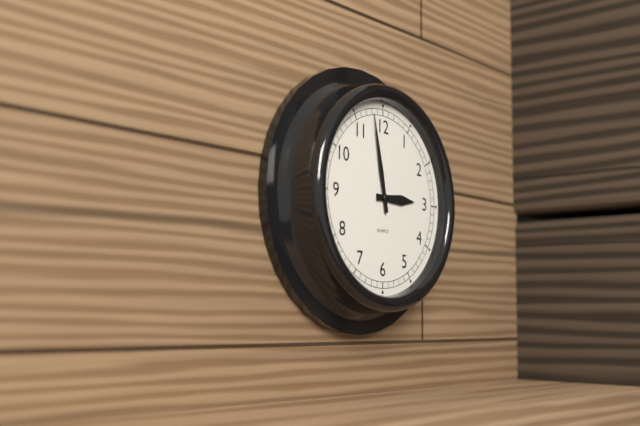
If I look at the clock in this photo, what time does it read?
2:58
